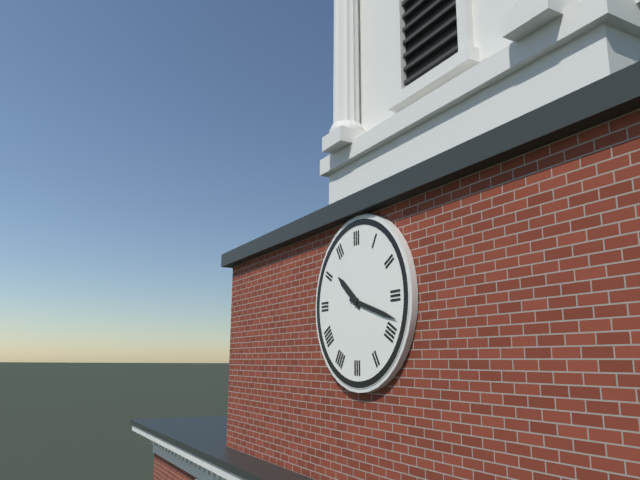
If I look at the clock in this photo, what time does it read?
10:18
